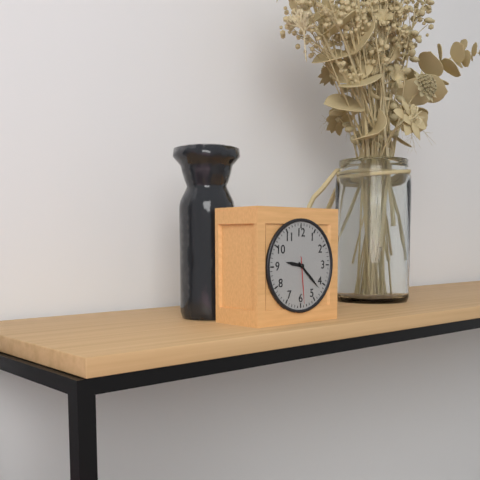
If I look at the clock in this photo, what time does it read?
9:22
